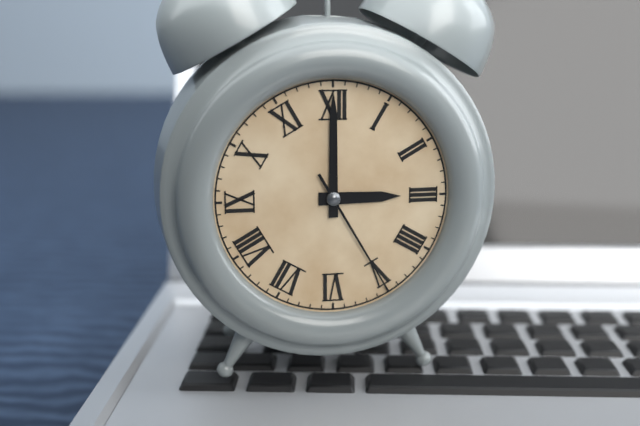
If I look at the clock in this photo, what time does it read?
3:00:25
